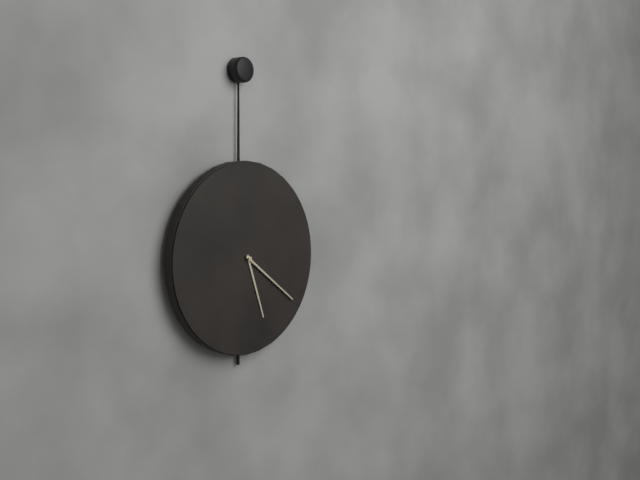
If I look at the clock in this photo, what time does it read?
5:21
